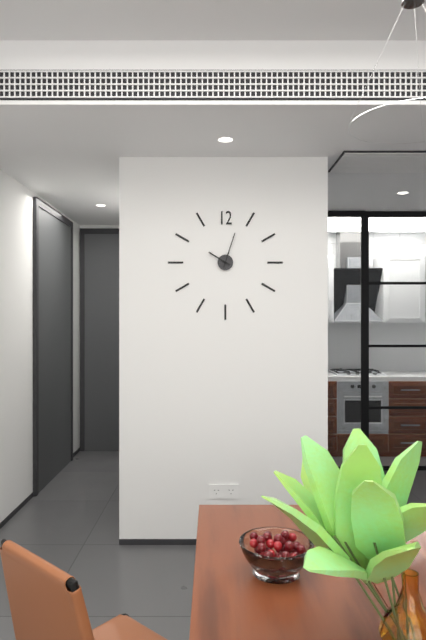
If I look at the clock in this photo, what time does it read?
10:03
